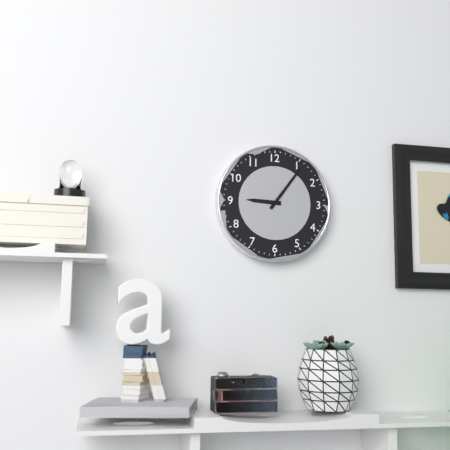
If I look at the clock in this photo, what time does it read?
9:06
